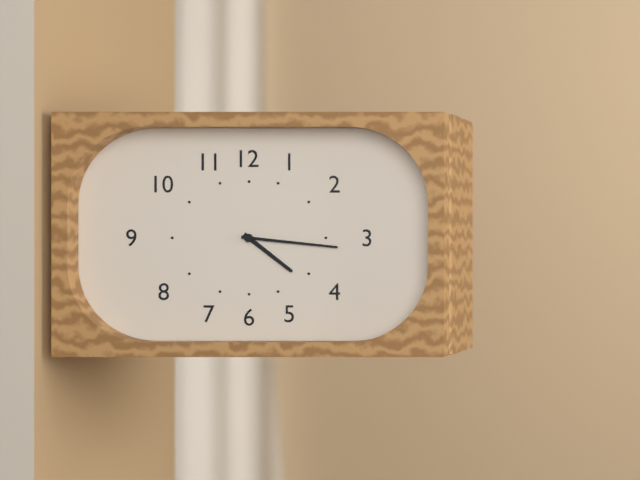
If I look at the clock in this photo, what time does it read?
4:16
